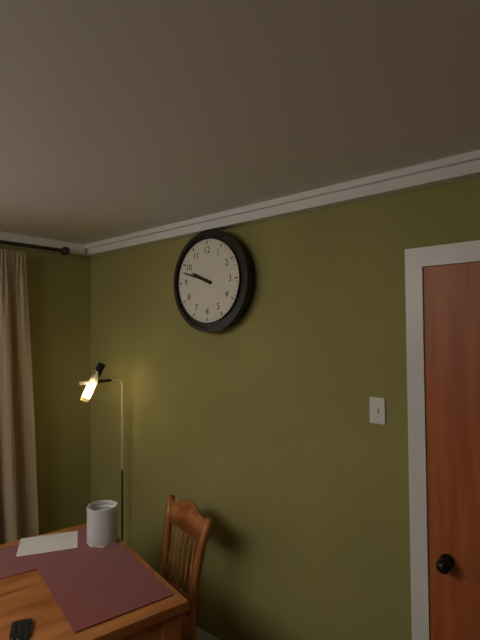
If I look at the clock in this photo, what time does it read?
9:48
